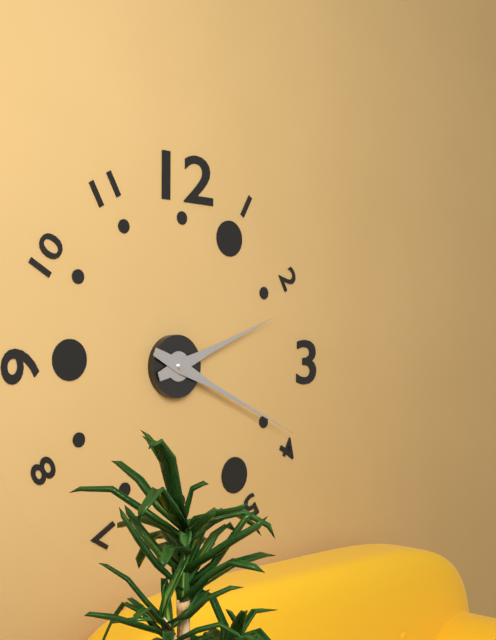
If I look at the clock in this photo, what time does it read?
2:19
